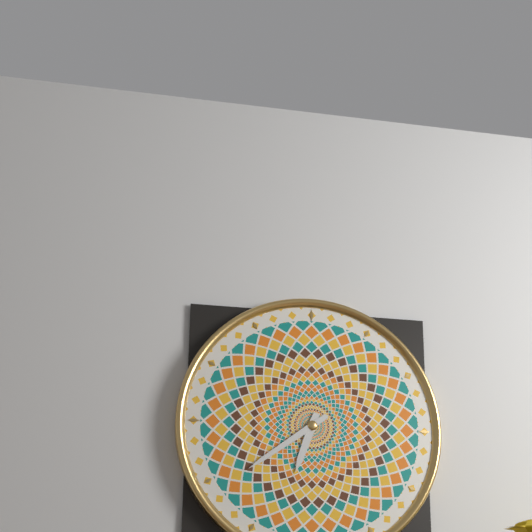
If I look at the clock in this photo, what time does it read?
6:39
